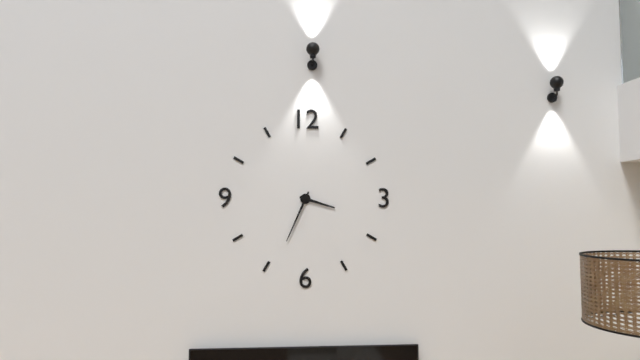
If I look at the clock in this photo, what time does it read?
3:34
